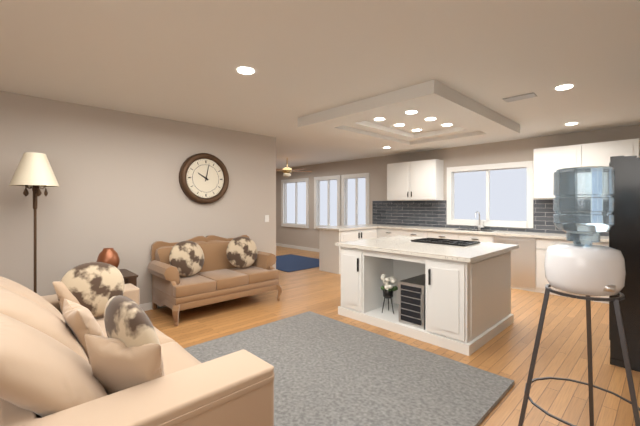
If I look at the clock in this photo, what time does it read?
10:02
